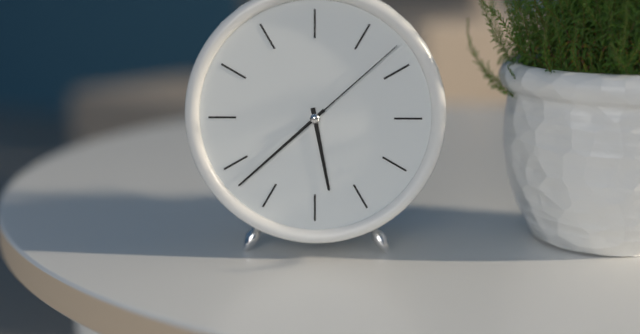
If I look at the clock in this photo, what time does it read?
5:38:08
